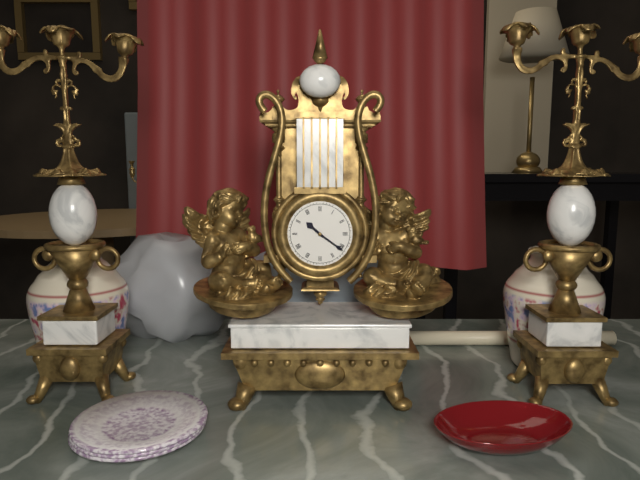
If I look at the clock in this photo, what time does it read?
10:21
